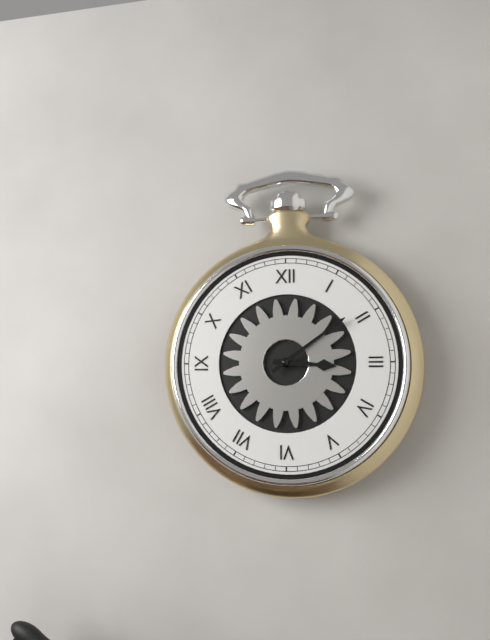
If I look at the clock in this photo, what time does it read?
3:09
